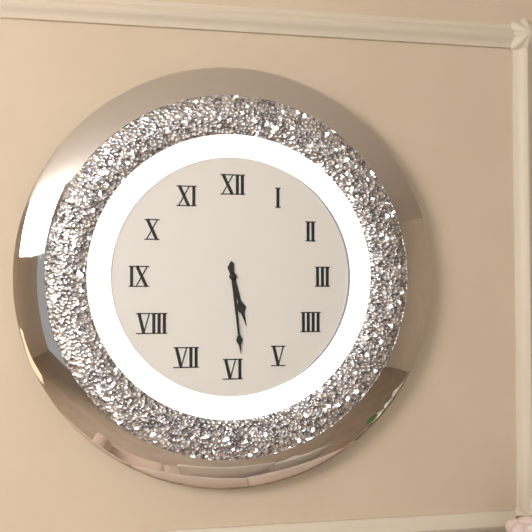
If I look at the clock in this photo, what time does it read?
5:29
